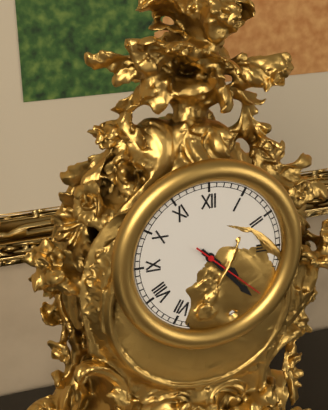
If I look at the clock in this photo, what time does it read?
4:23:22
